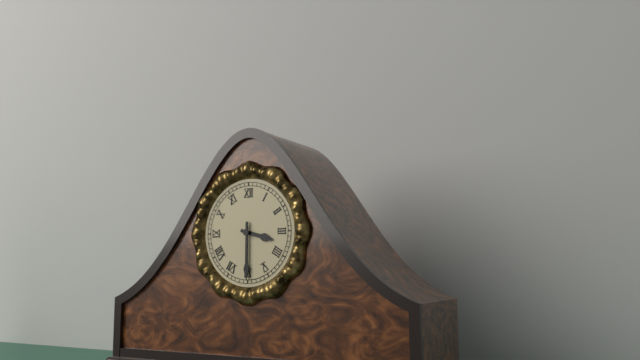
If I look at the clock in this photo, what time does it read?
3:30
